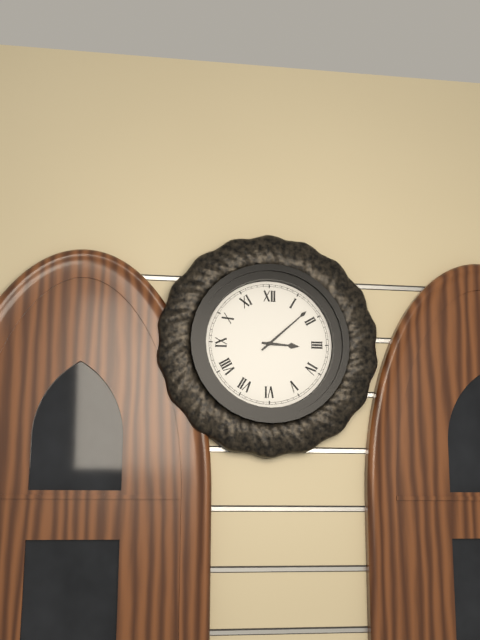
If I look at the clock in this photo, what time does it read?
3:08
